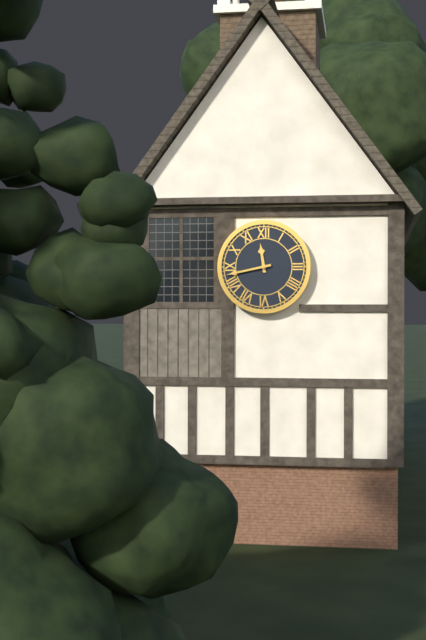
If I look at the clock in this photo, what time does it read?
11:43
